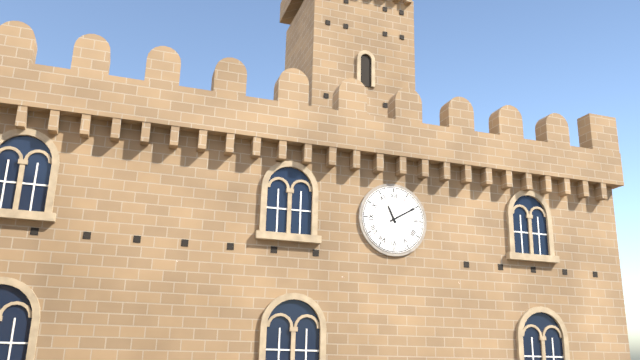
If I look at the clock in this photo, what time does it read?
11:10
